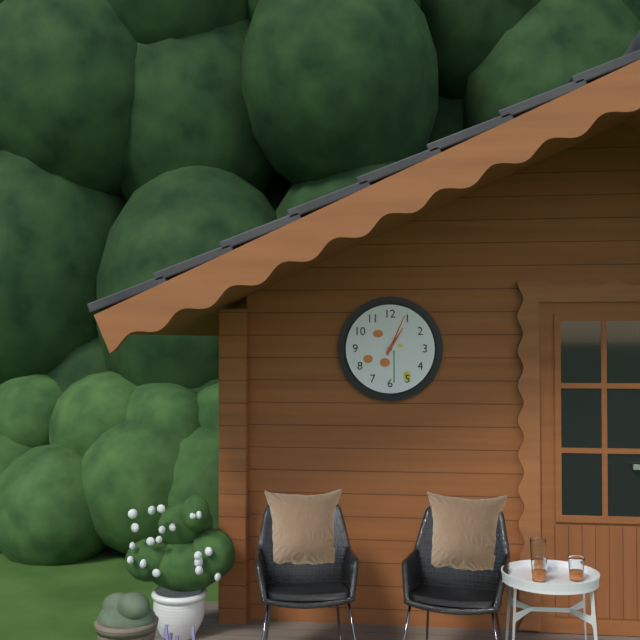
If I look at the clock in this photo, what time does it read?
1:04
